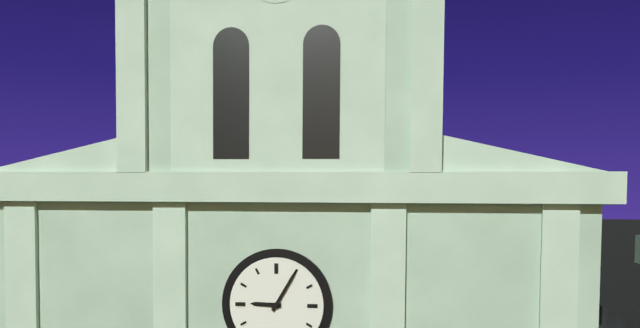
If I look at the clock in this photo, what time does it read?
9:05
